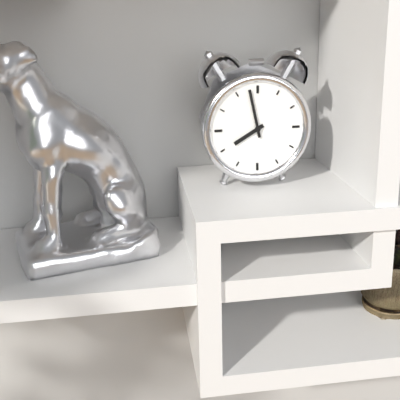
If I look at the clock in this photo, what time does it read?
7:58
